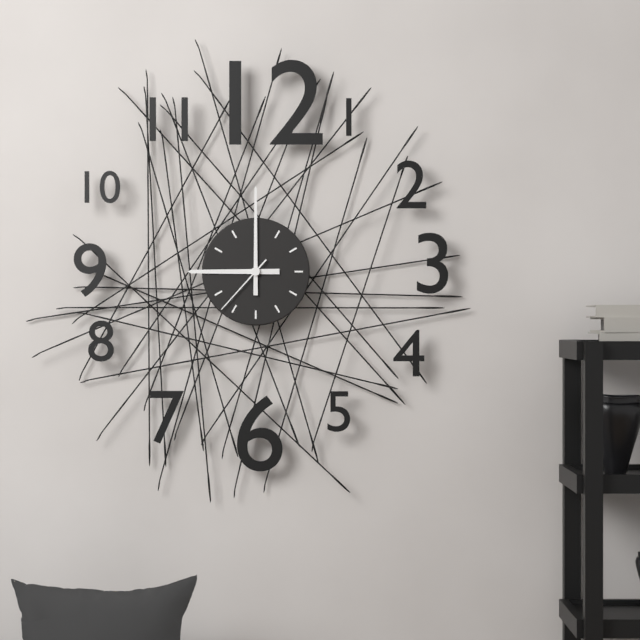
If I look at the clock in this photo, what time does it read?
9:00:37
